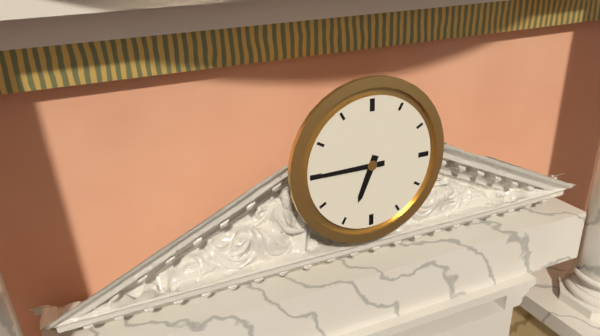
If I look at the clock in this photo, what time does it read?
6:45
